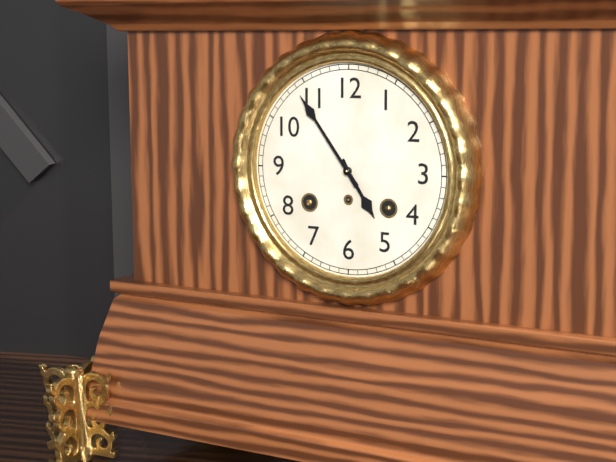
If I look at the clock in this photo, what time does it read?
4:54
